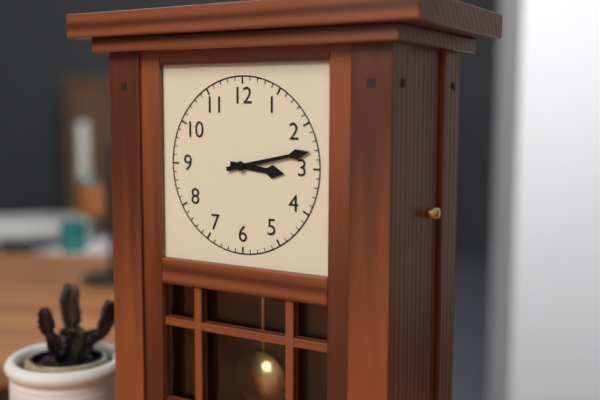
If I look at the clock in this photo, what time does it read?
3:13
